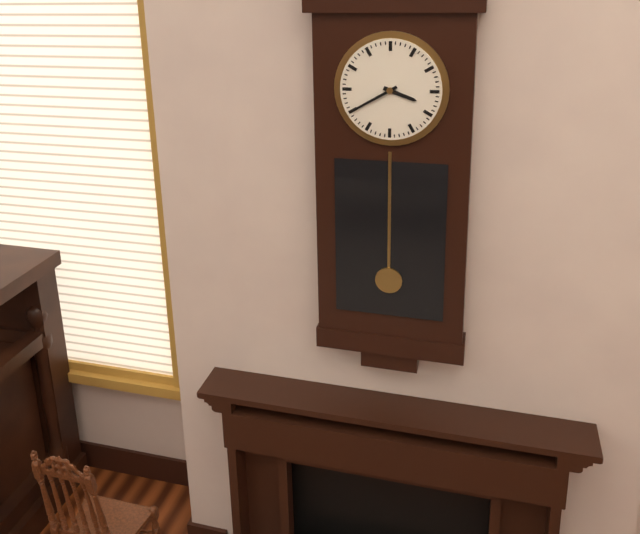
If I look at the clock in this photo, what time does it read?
3:40
